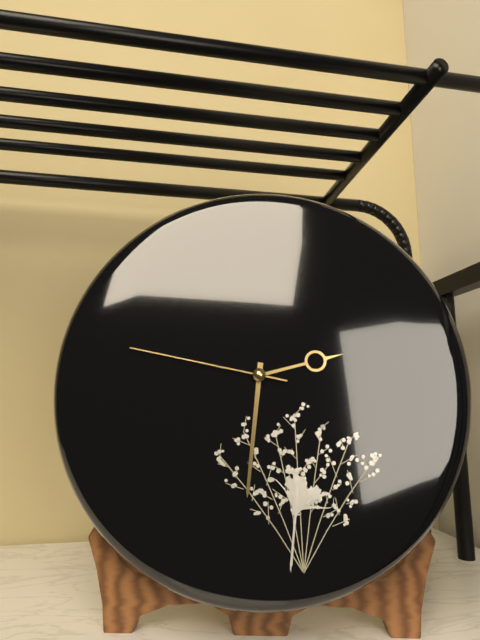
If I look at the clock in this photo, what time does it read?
2:31:47
